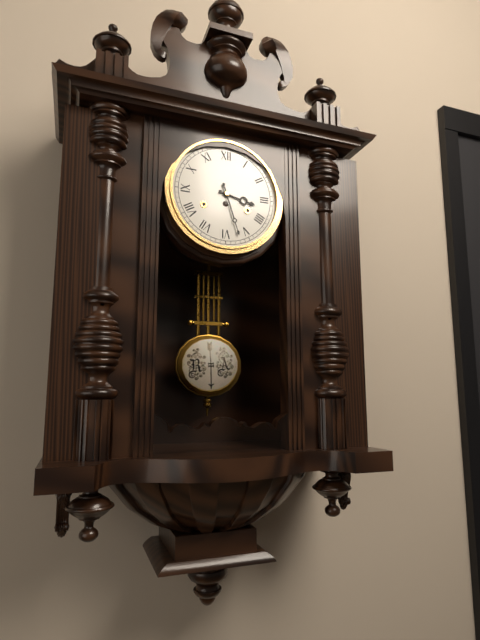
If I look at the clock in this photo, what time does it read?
3:27
